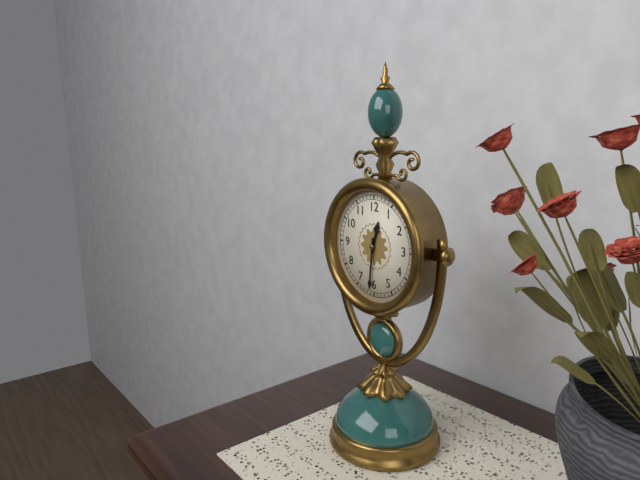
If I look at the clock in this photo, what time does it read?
12:31
